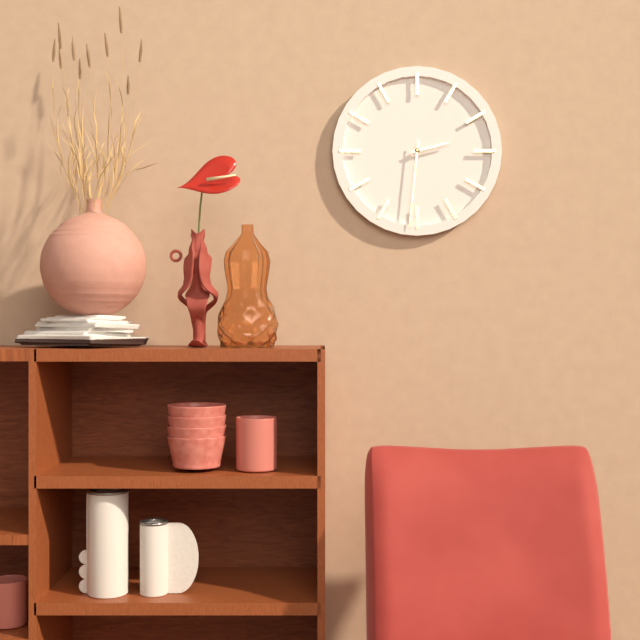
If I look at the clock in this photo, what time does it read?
2:31
